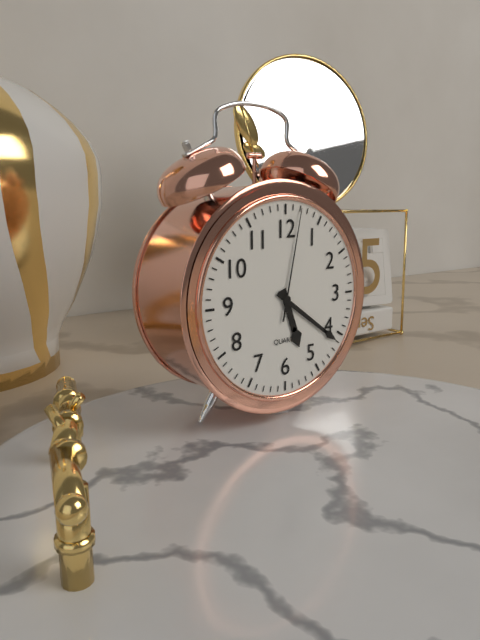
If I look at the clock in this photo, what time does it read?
5:21:02
